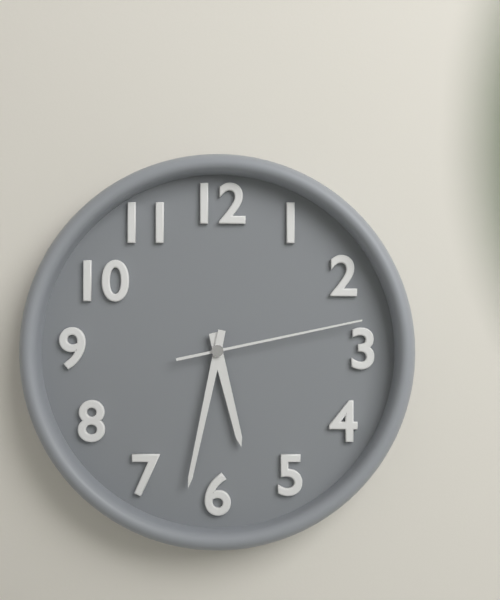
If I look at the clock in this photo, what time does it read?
5:32:13
